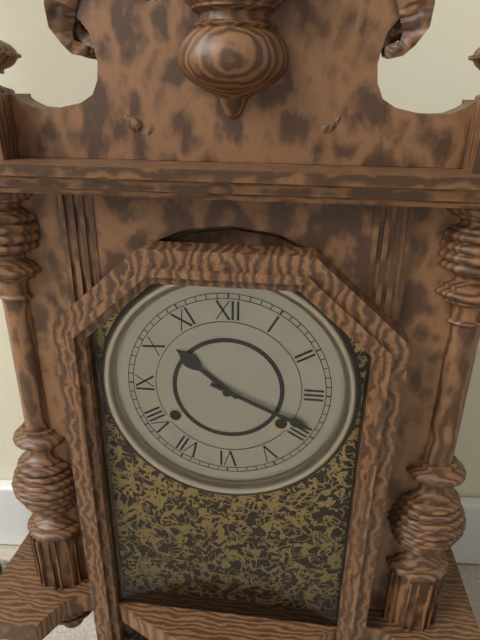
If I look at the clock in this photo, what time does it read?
10:19
